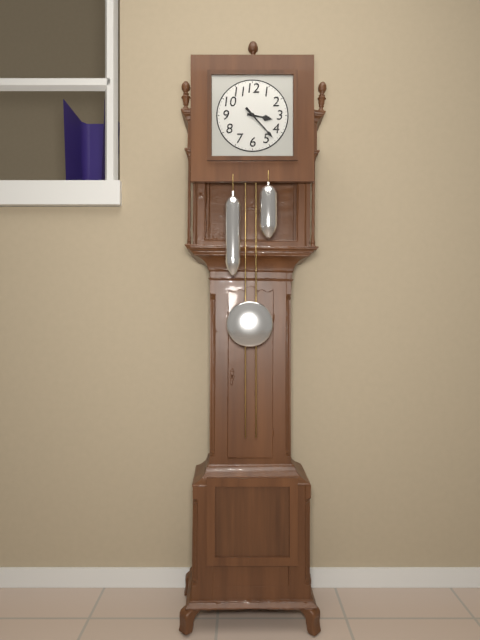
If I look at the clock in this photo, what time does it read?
3:23
